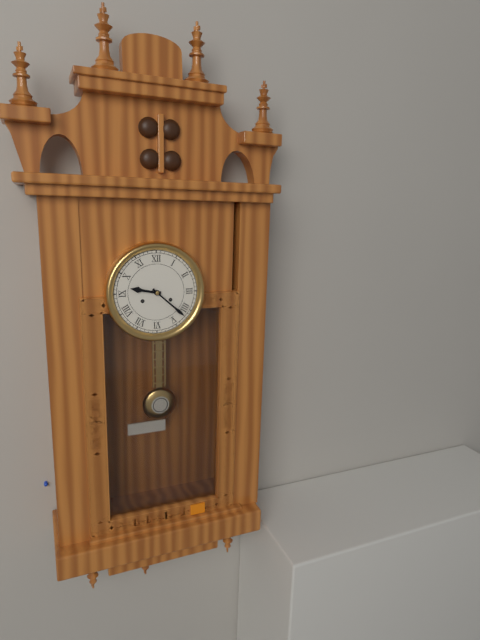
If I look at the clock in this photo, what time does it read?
9:22
